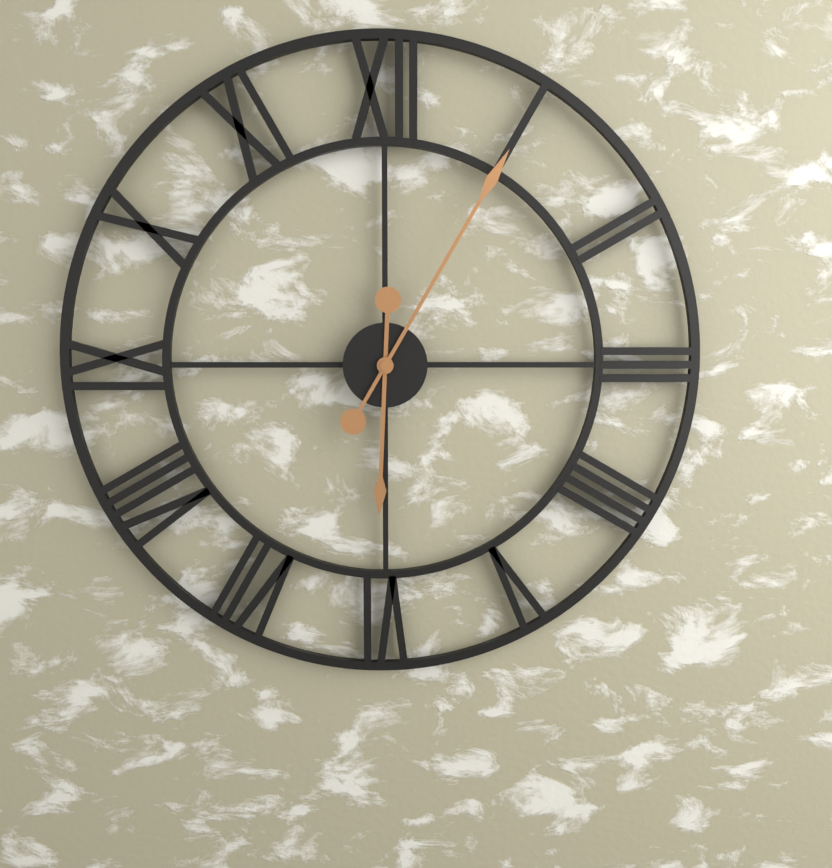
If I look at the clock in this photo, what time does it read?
6:05
